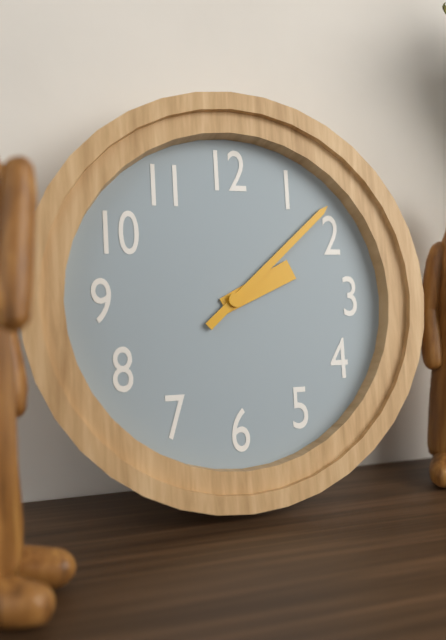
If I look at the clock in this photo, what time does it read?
2:08
